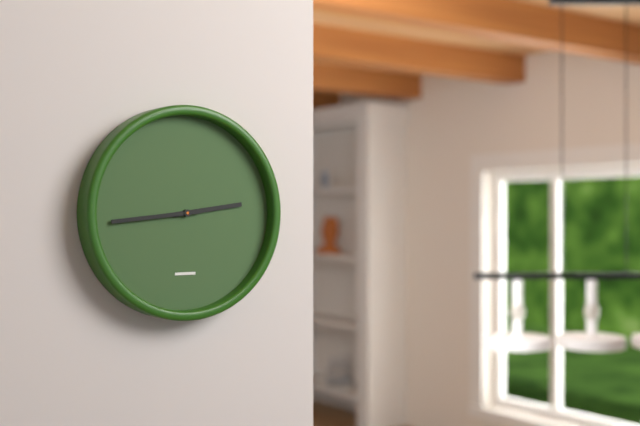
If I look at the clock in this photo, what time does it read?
2:44
